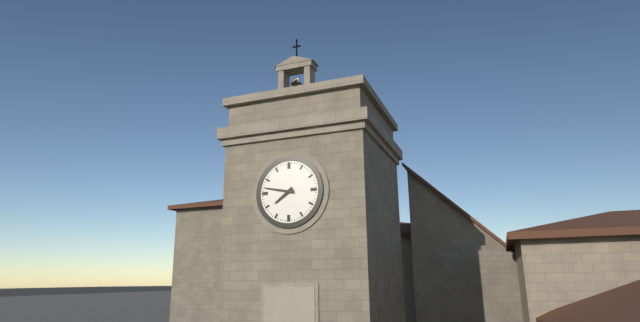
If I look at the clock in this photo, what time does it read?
7:47
